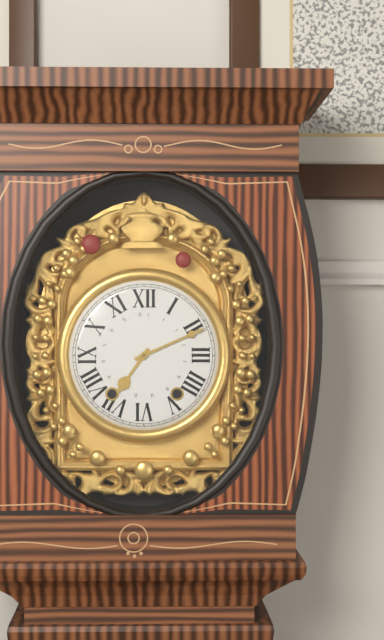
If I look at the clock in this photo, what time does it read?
7:11
